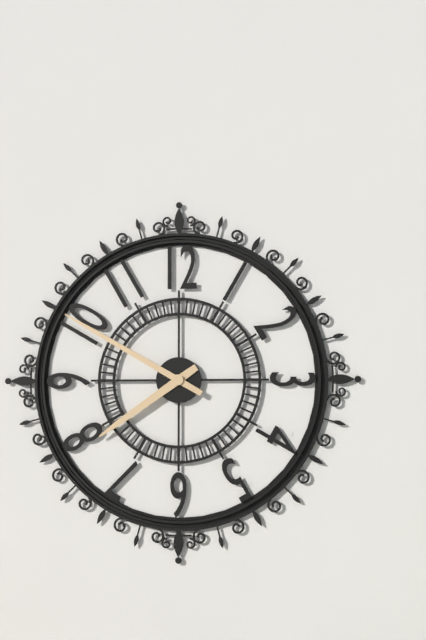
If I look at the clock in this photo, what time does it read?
7:50
